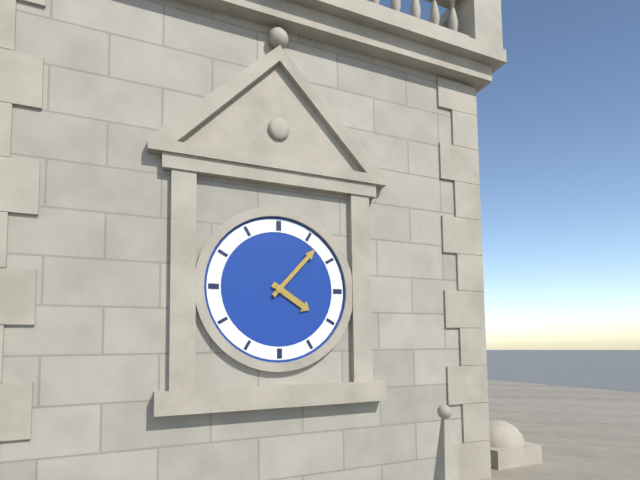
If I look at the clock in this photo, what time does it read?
4:07
